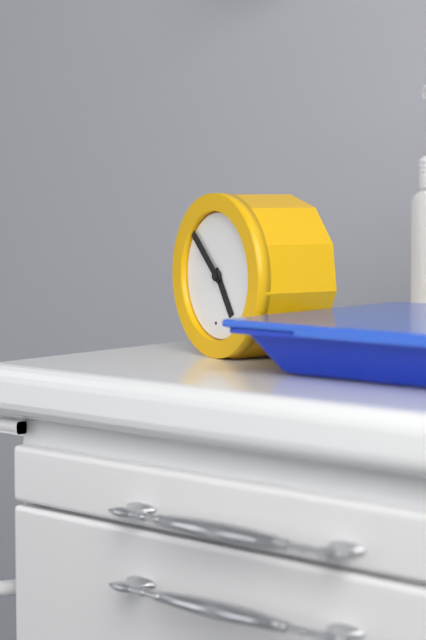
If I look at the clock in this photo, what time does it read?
4:52
